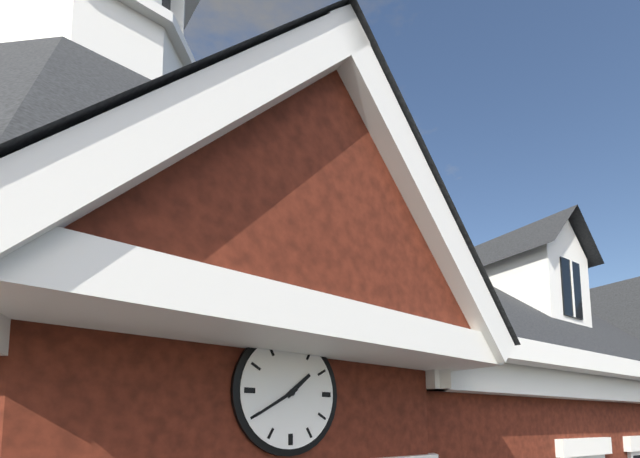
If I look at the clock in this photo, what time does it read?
1:40
